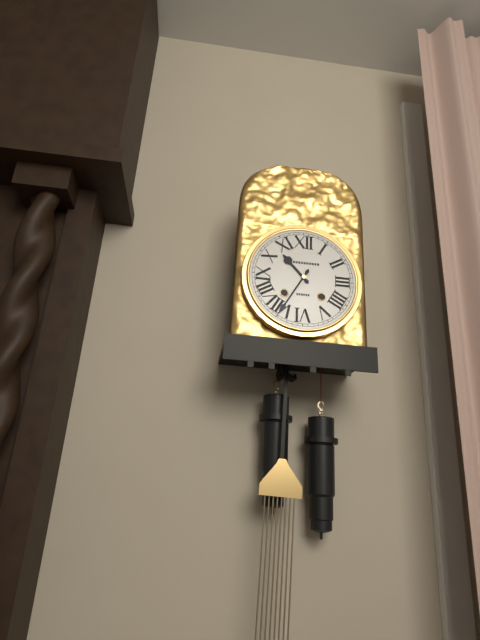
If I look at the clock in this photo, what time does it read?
10:35
